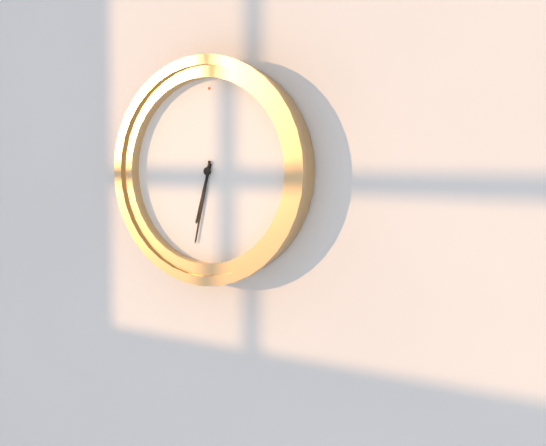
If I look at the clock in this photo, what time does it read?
6:32
